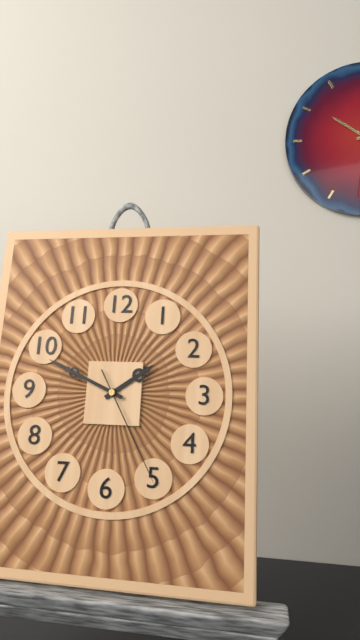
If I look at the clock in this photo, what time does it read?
1:49:25
